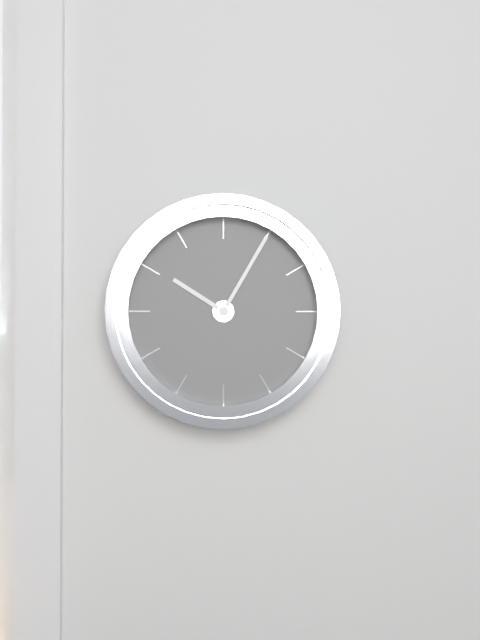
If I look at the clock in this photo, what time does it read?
10:05
